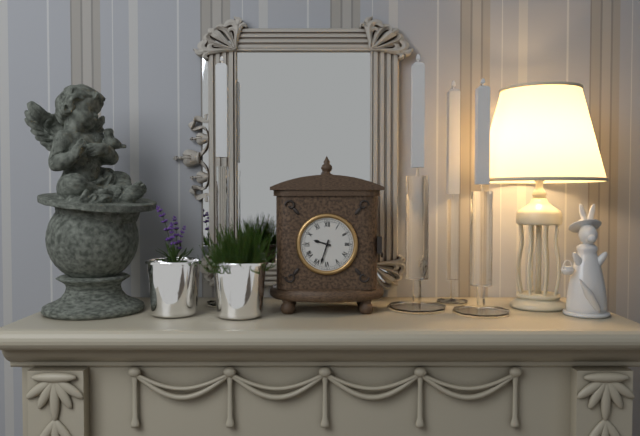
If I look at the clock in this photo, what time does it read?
9:33
